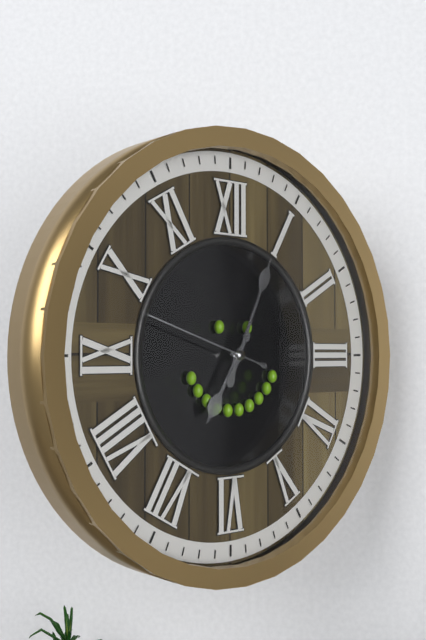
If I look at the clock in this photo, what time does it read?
7:04:48
